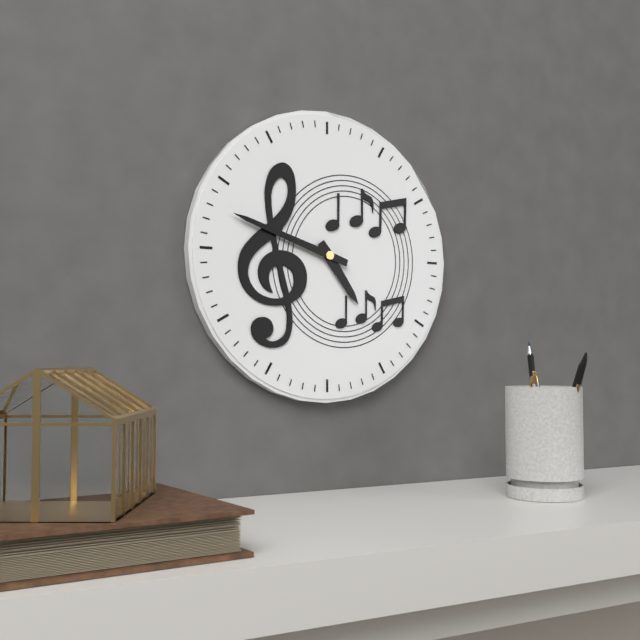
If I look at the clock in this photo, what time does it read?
4:48
